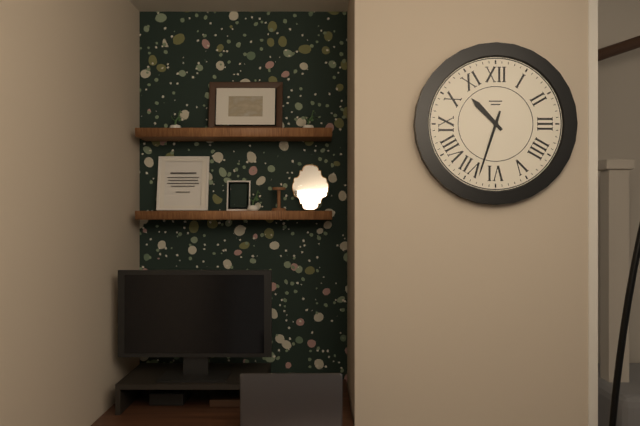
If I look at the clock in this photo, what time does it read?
10:33
